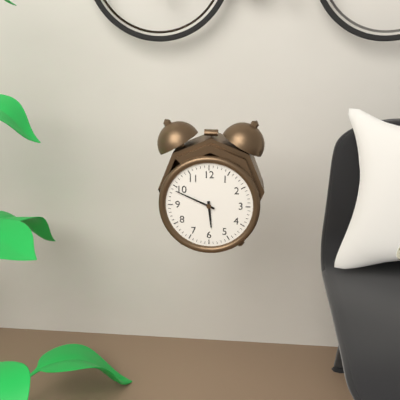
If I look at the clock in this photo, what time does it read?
5:49
